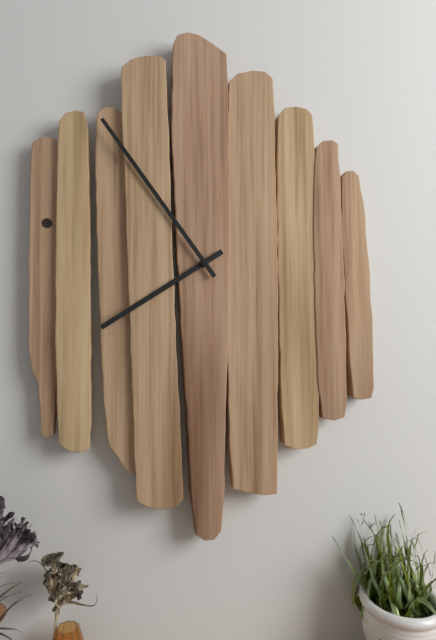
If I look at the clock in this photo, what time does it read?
7:54
